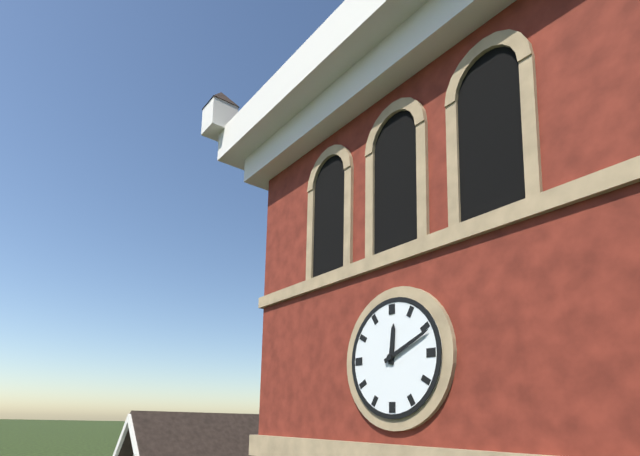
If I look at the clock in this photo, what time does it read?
12:11
